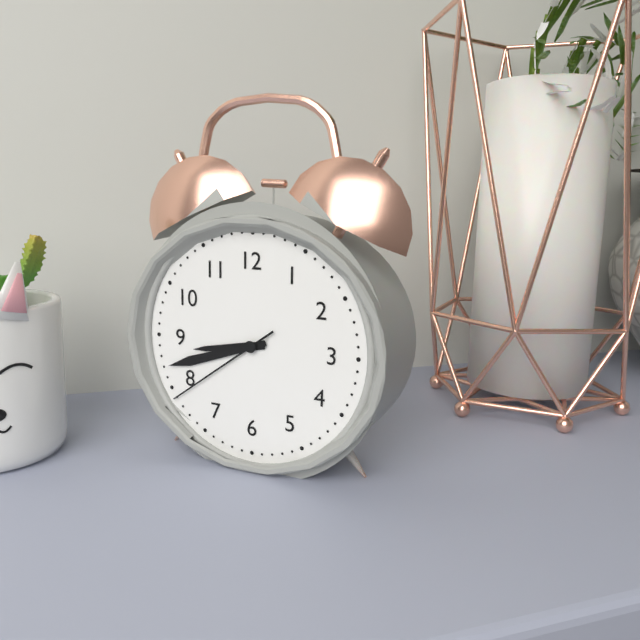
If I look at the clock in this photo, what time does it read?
8:42:39
